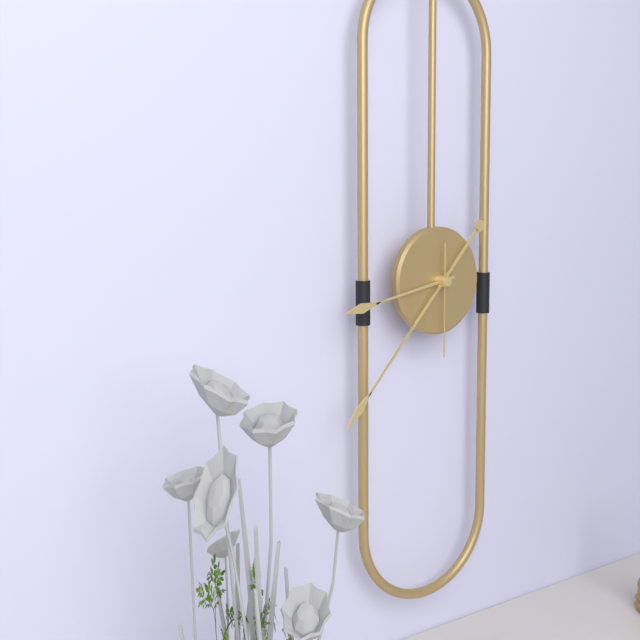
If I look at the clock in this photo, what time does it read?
8:37:30
